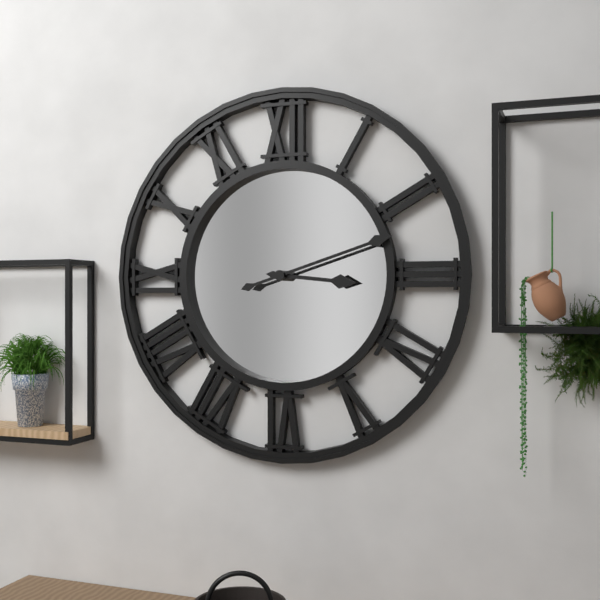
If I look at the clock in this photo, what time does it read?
3:12
